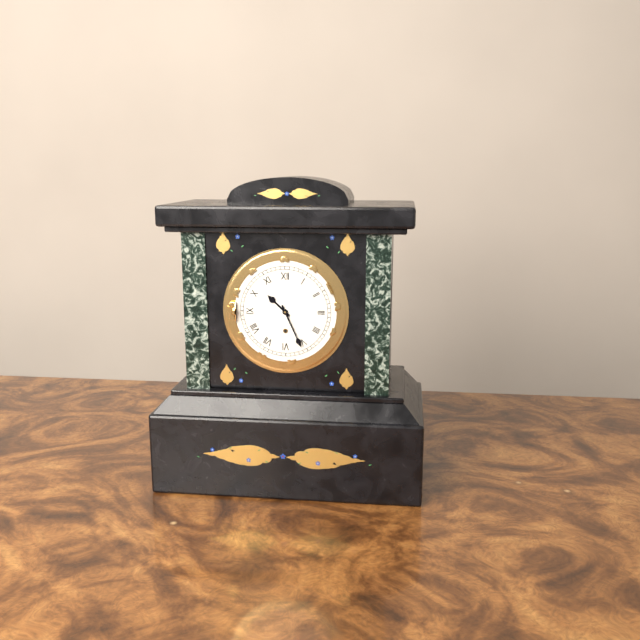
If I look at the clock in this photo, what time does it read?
10:26
